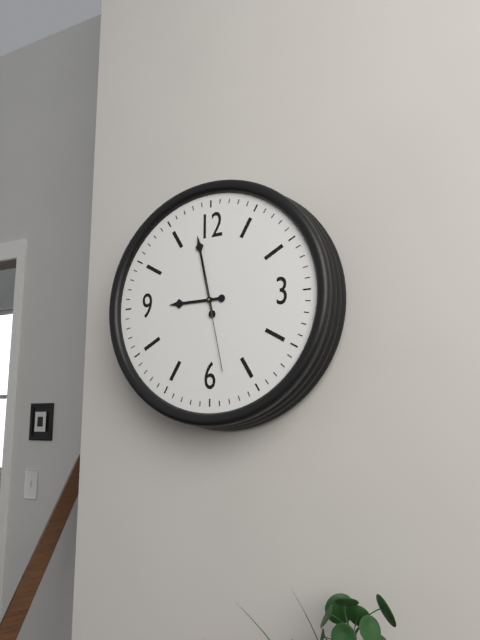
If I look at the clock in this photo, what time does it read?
8:58:28
